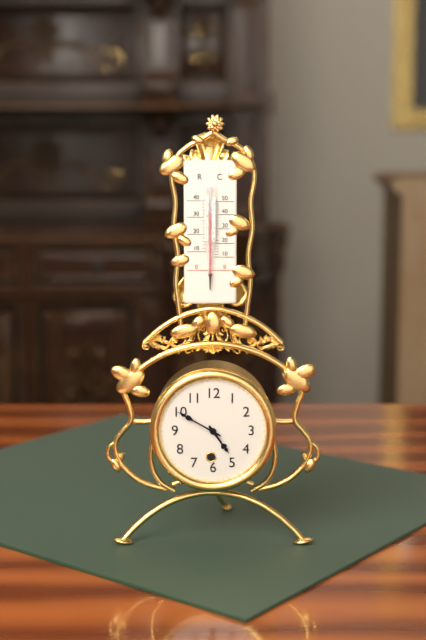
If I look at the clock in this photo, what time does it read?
4:50
